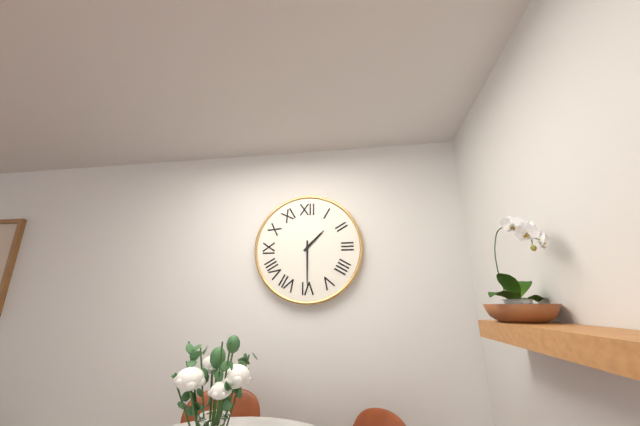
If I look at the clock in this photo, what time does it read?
1:30
